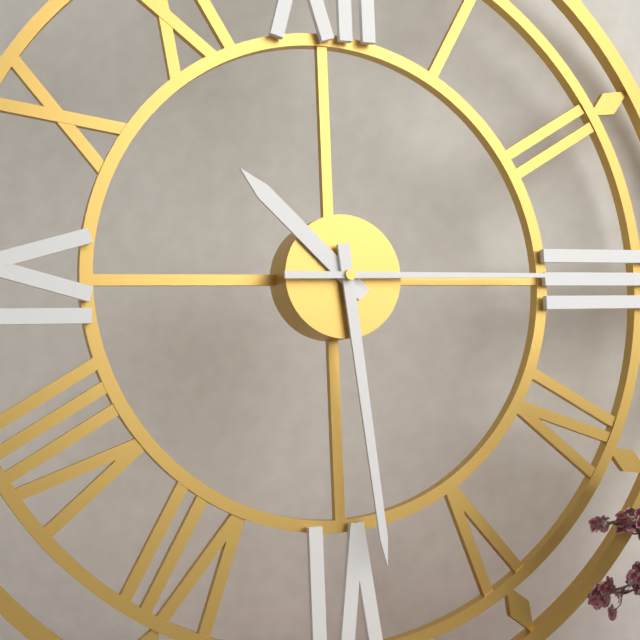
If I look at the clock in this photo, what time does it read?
10:29:15
